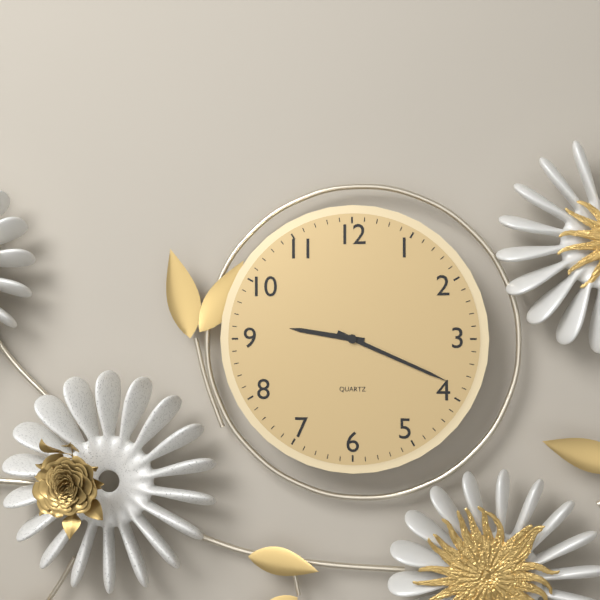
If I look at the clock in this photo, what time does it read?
9:19
